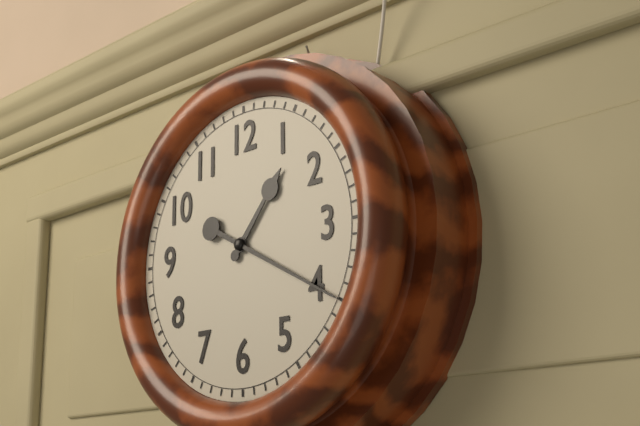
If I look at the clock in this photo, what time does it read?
1:20
